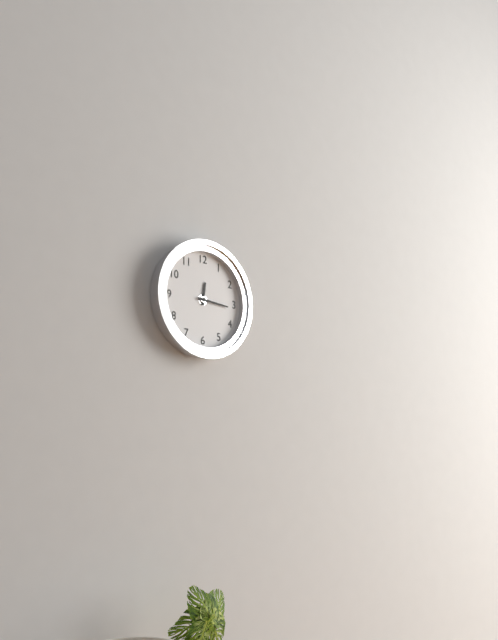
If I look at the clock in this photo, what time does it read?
12:16
